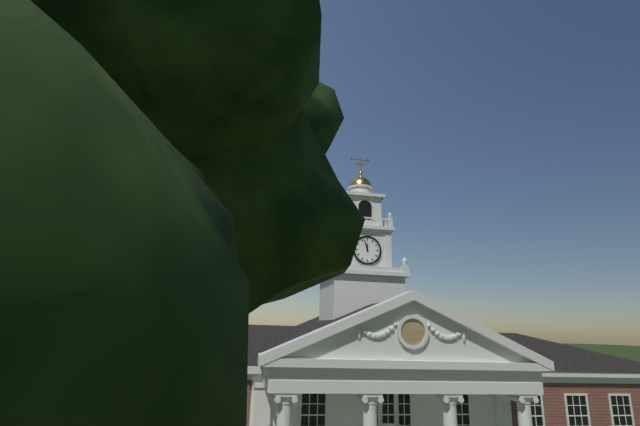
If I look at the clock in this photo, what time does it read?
11:57
